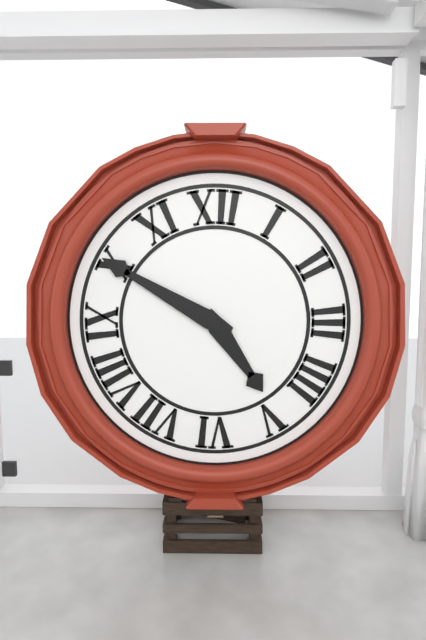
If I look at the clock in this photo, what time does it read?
4:50
